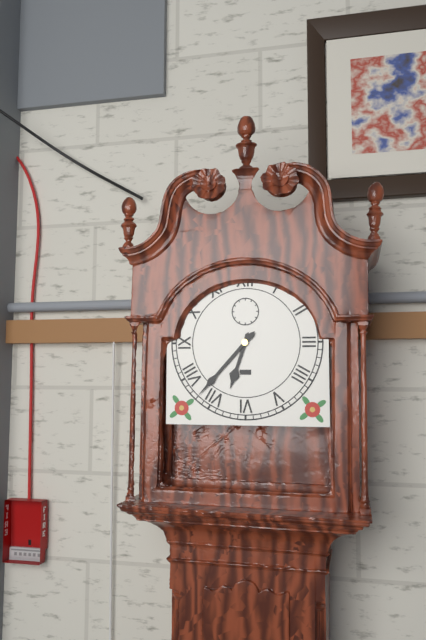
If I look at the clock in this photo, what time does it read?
6:37
